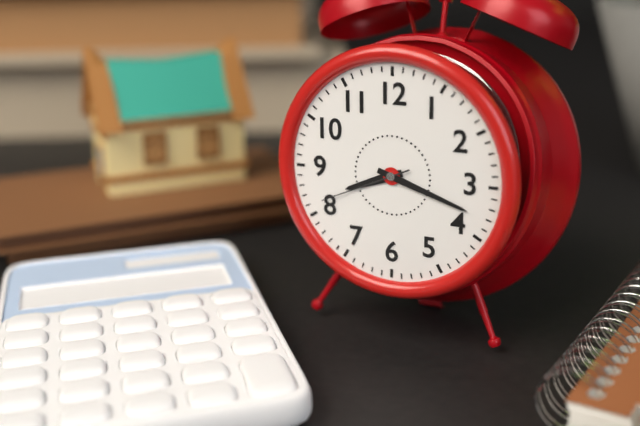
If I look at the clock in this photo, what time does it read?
8:18:41
